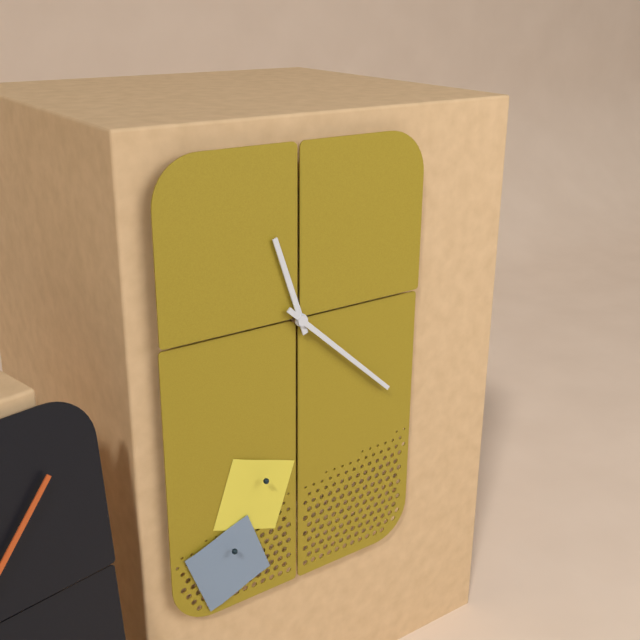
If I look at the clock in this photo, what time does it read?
11:22
